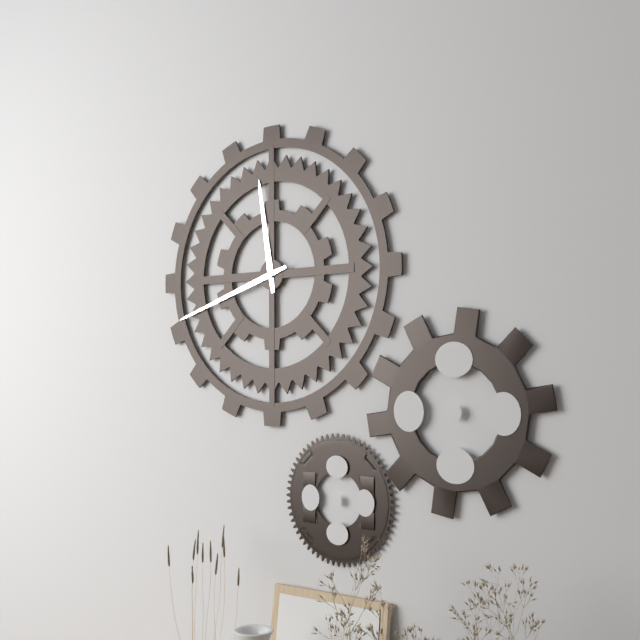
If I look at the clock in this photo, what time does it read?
11:42
